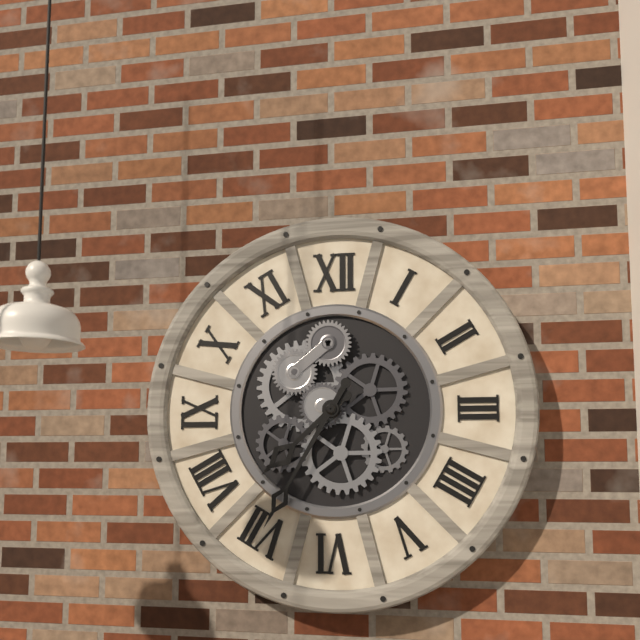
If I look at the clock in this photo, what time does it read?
7:35
